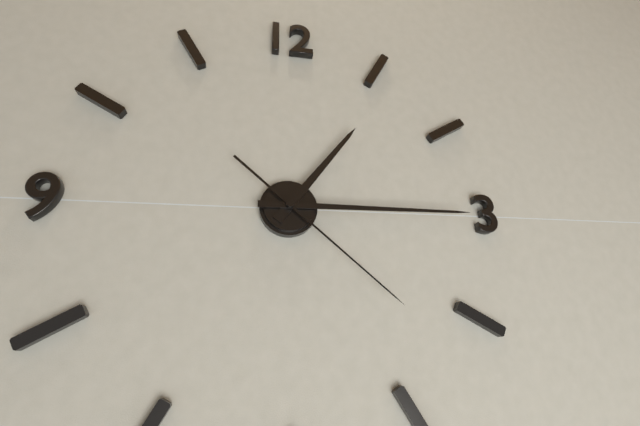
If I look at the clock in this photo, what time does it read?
1:15:22
